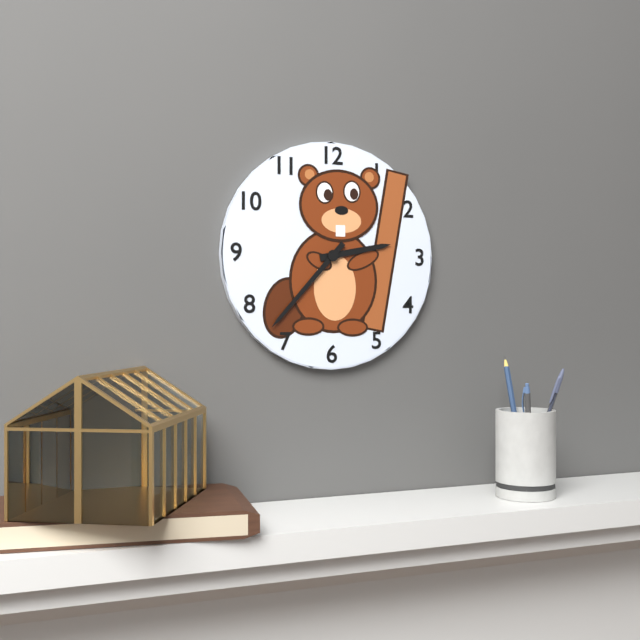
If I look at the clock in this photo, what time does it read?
2:37
